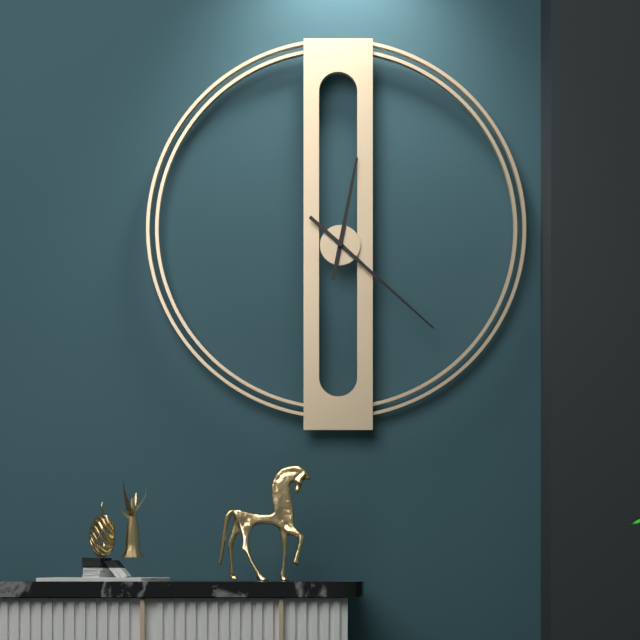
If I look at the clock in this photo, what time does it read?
12:22
